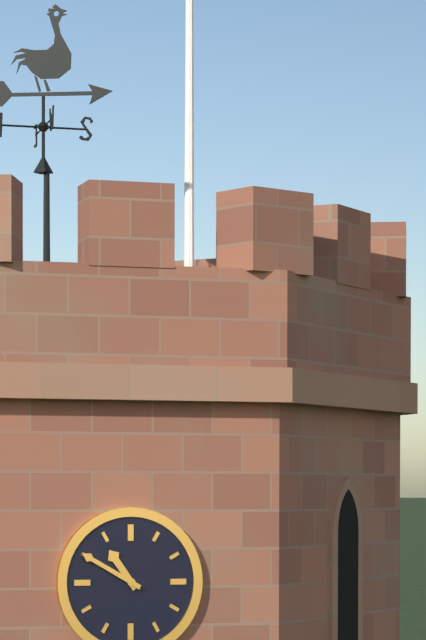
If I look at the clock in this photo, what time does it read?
10:50
